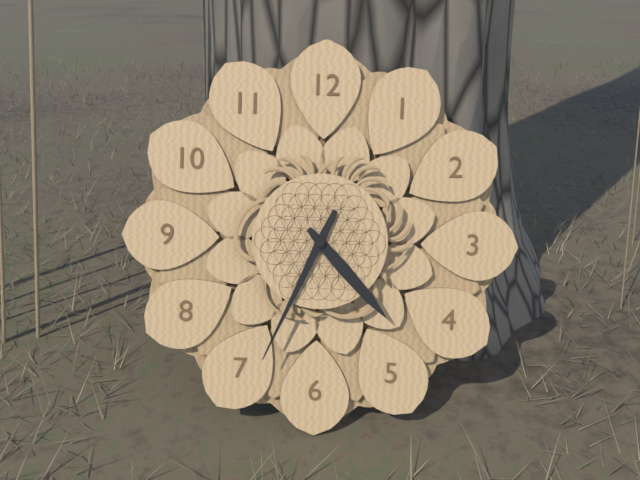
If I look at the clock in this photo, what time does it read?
4:34
